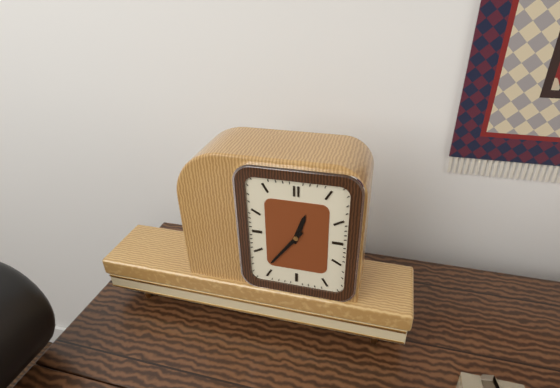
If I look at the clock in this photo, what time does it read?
12:36
